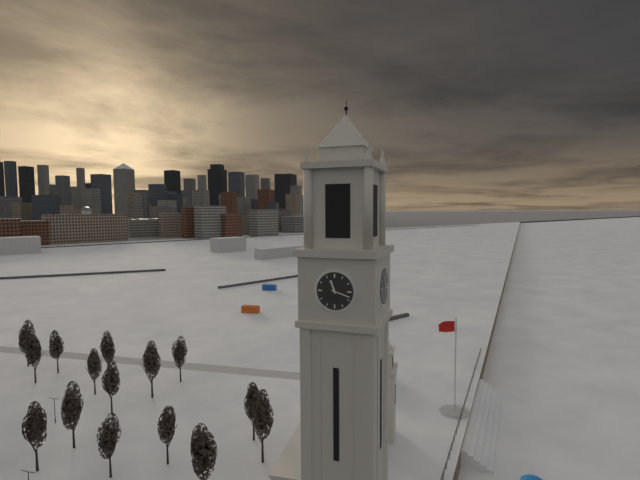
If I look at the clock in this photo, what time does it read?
11:18
